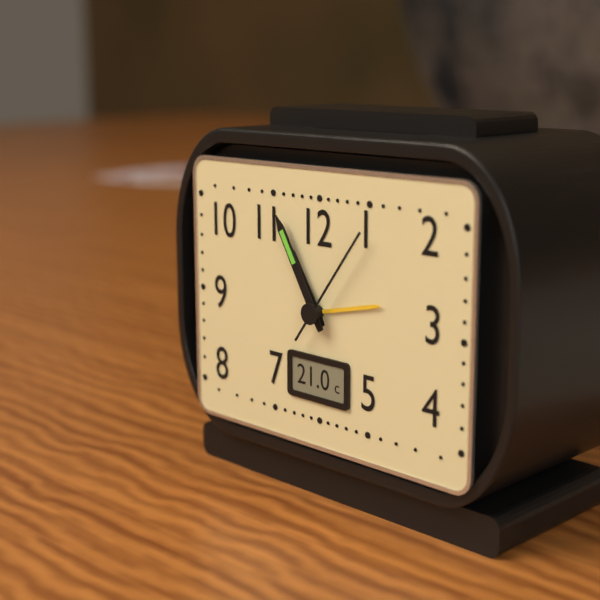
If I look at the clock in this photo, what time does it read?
10:55:06
